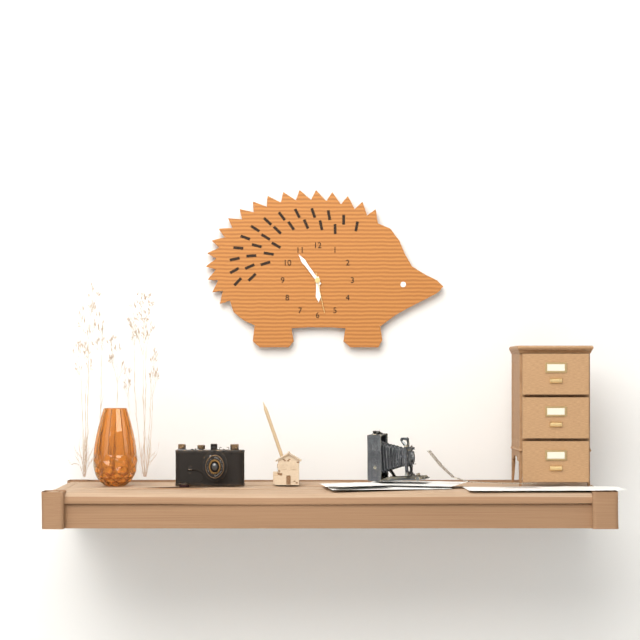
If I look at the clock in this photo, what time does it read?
5:54
